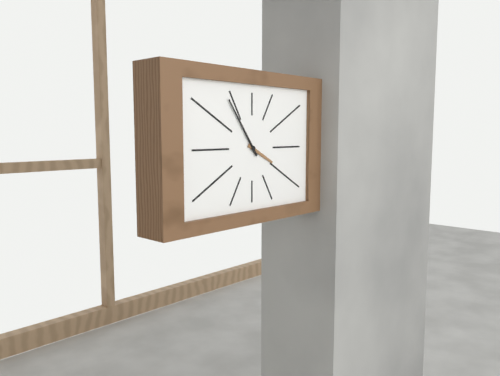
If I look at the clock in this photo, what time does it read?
3:54
